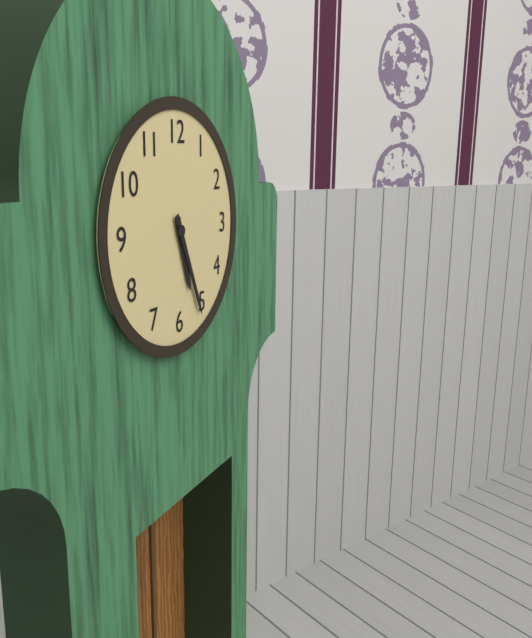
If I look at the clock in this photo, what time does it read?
5:26
